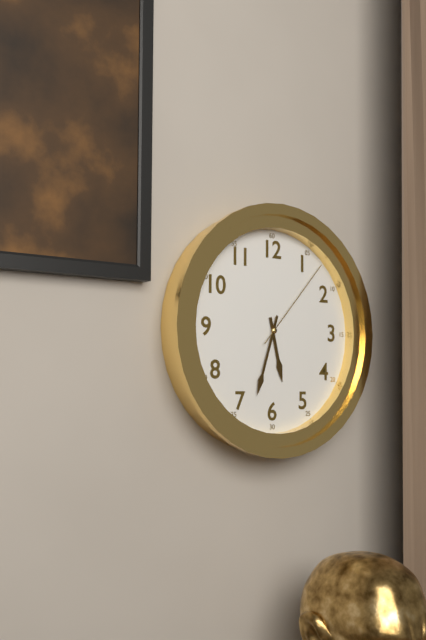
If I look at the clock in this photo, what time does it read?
5:33:07
